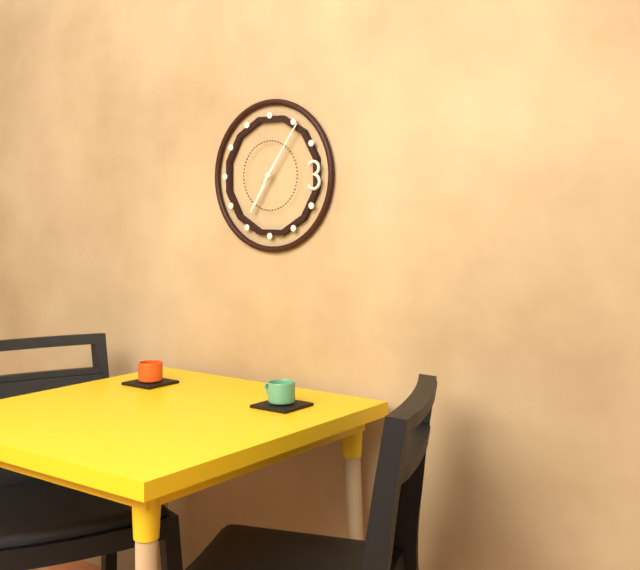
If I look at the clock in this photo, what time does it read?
7:06
